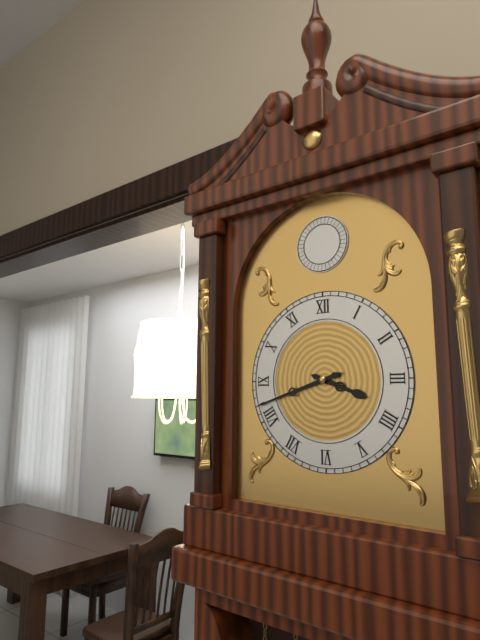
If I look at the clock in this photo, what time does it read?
3:42
